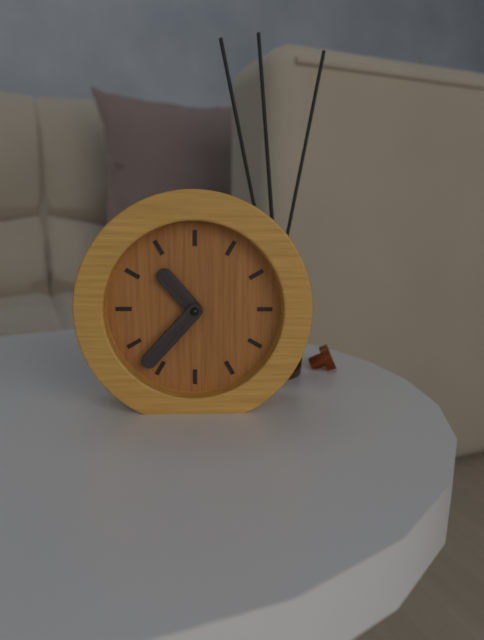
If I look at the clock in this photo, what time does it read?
10:37
